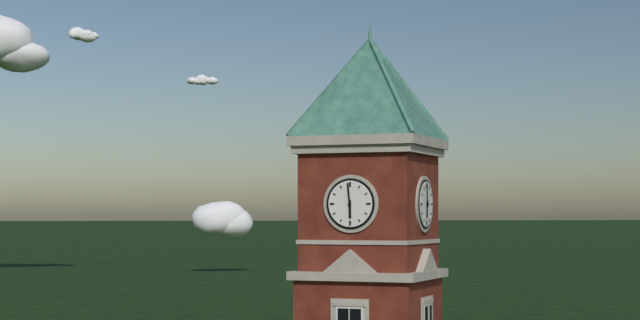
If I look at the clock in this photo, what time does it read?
5:59
